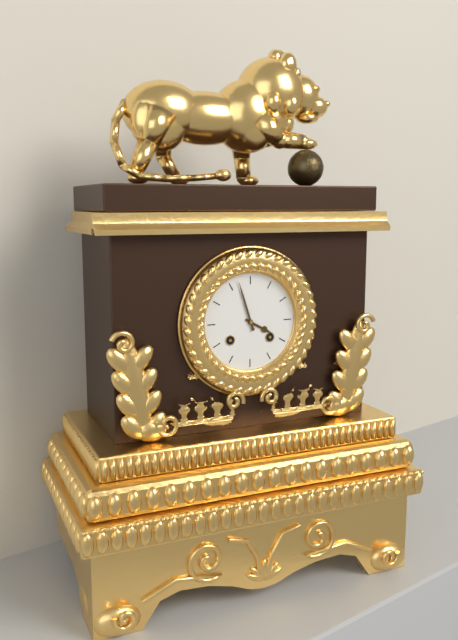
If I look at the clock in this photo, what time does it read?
3:57
